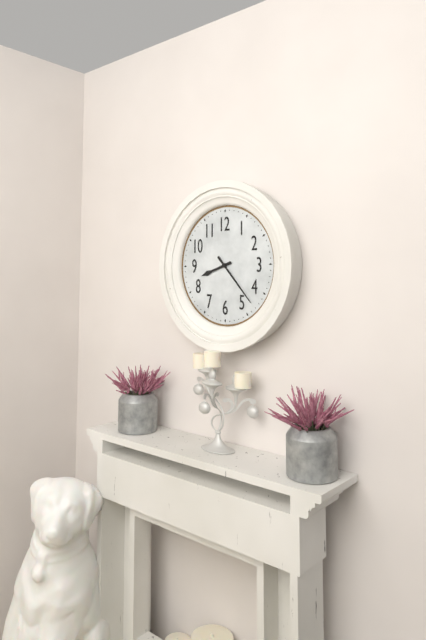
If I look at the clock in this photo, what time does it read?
8:23
